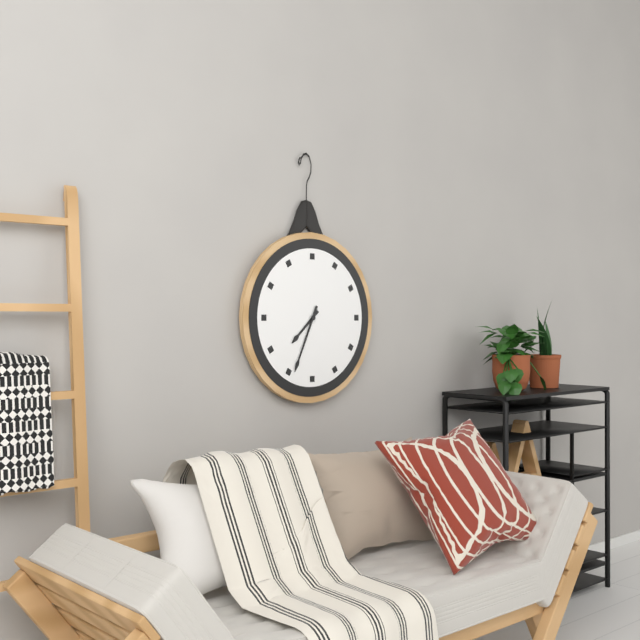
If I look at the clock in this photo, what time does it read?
7:34
